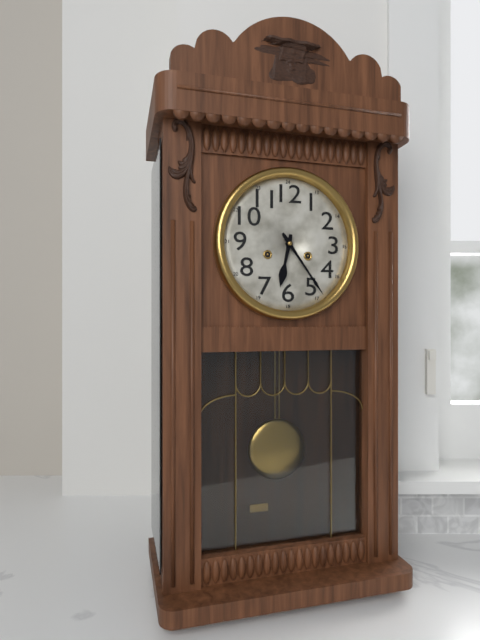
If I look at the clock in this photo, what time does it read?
6:24
